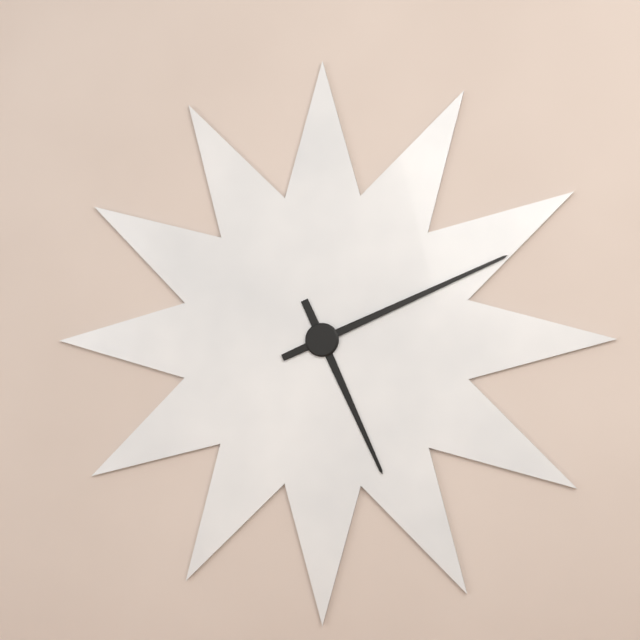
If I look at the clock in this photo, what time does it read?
5:11
